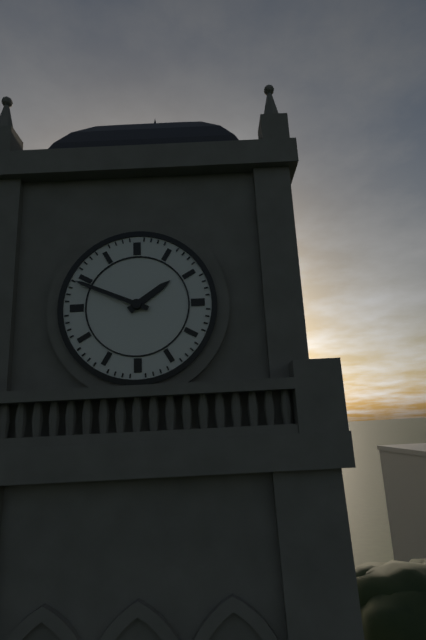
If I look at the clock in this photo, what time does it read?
1:49
